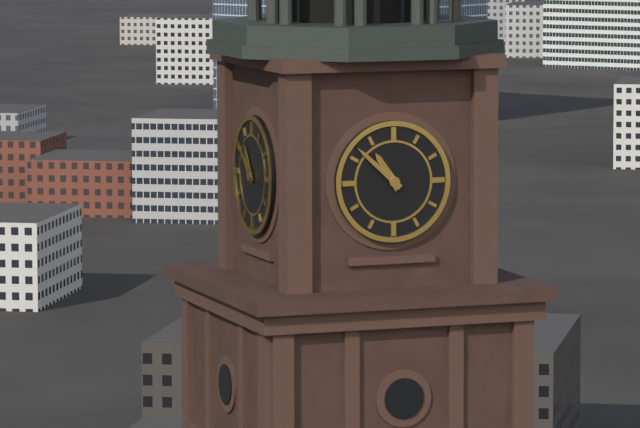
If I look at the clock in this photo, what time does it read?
10:52
